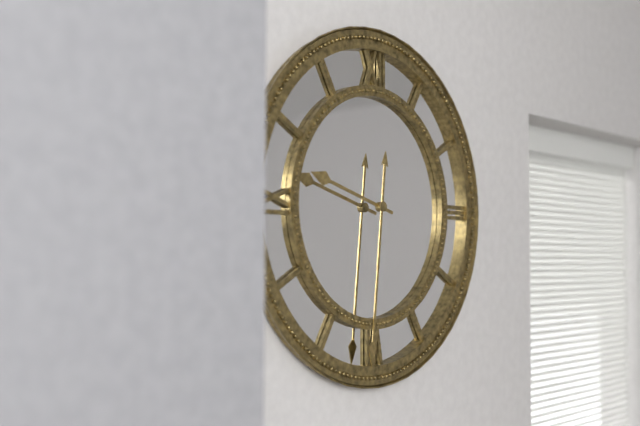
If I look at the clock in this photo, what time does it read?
9:31
